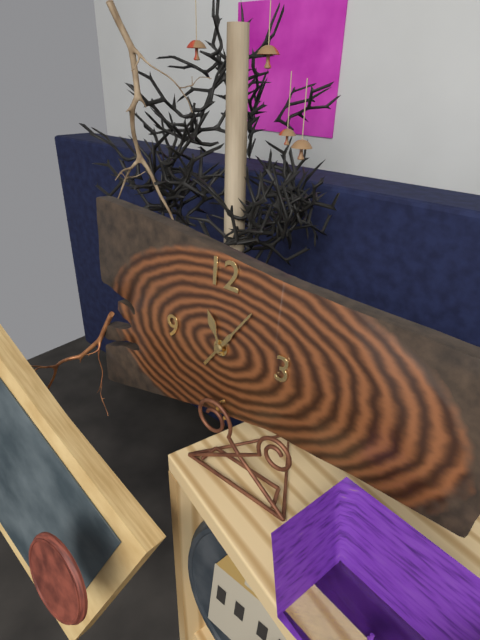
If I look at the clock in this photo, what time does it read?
11:06
